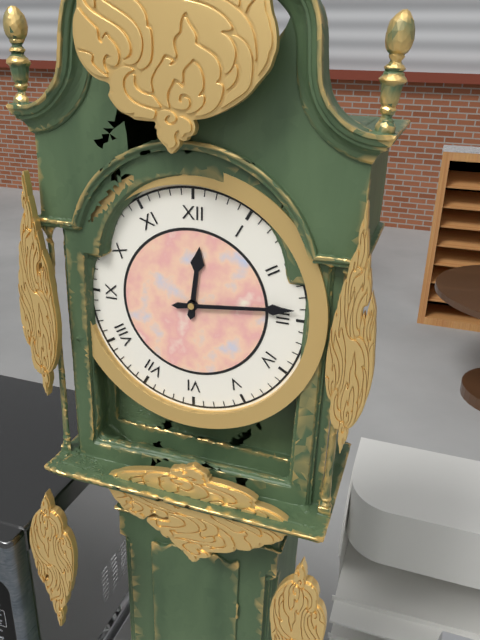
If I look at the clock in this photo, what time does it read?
12:14
